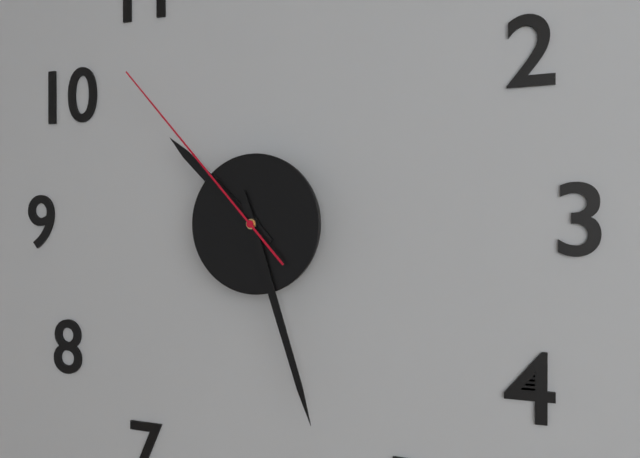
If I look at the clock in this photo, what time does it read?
10:27:53
